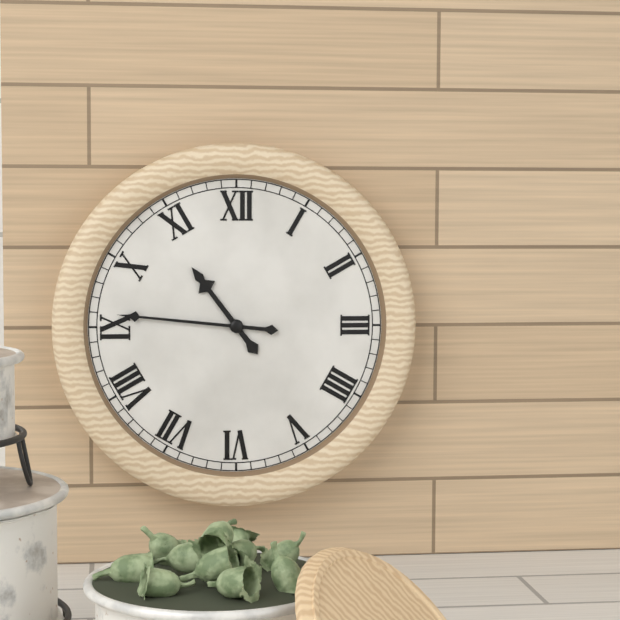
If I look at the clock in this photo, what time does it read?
10:46
